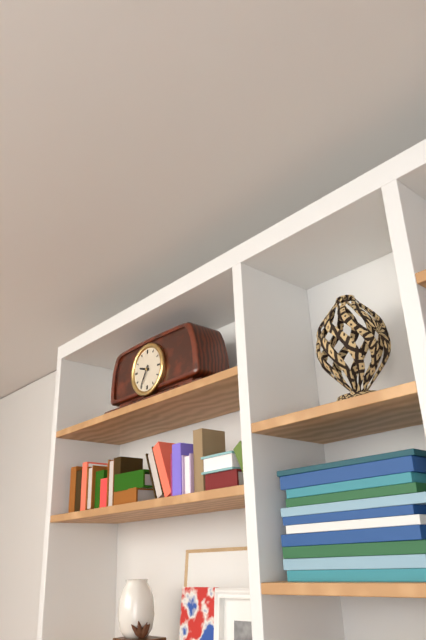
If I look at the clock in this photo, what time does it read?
9:35
